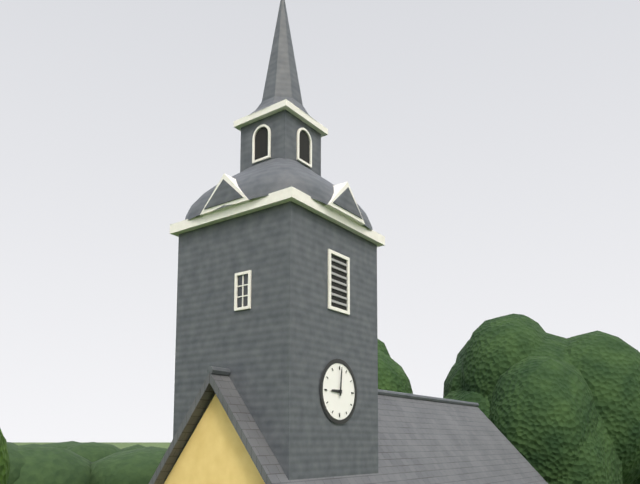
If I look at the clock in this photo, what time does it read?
9:01
